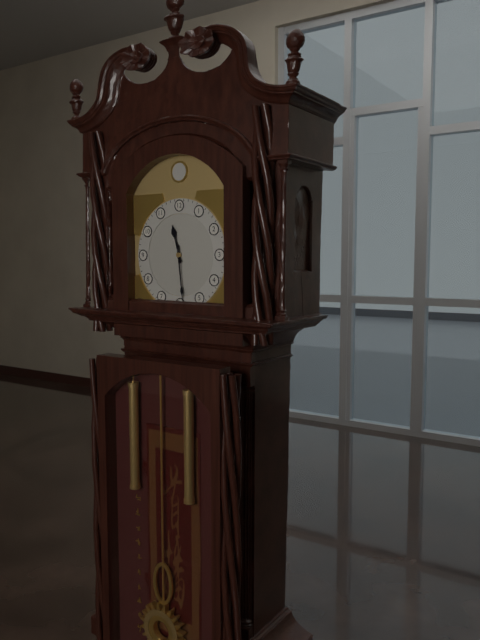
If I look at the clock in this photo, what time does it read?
11:29
